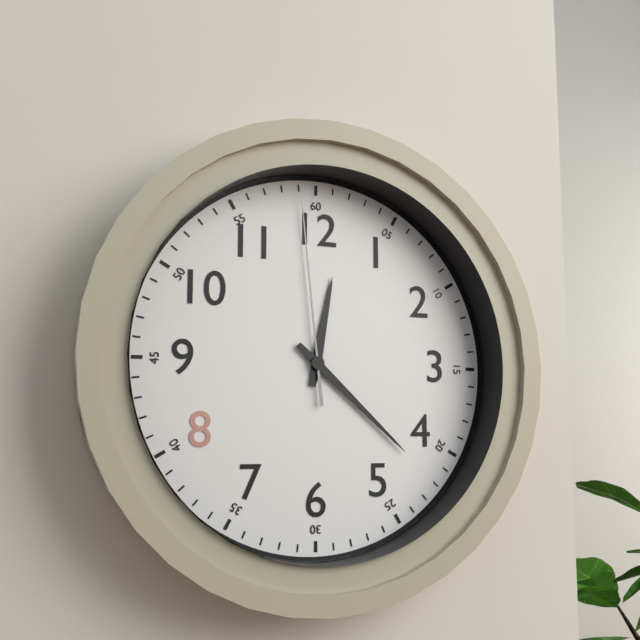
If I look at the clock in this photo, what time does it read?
12:22:59
